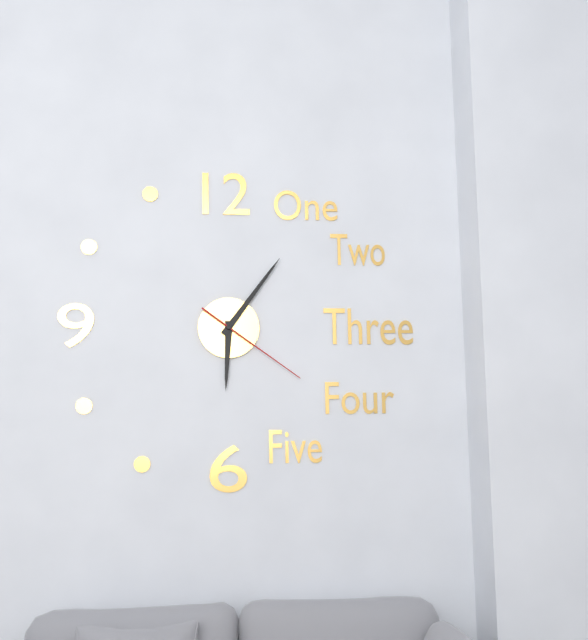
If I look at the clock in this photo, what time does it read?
6:06:21
